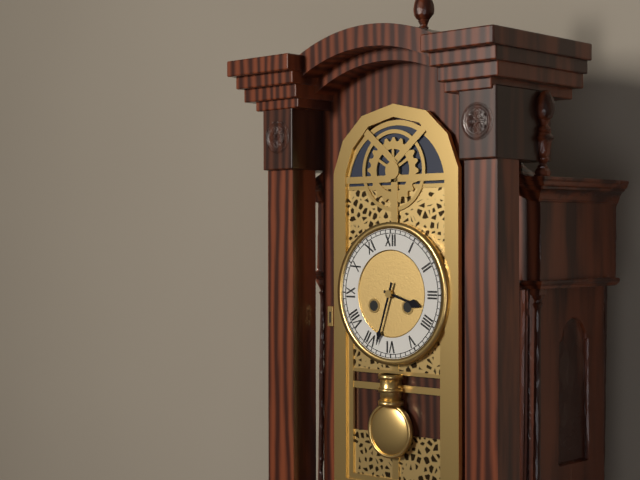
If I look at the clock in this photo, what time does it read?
3:33
